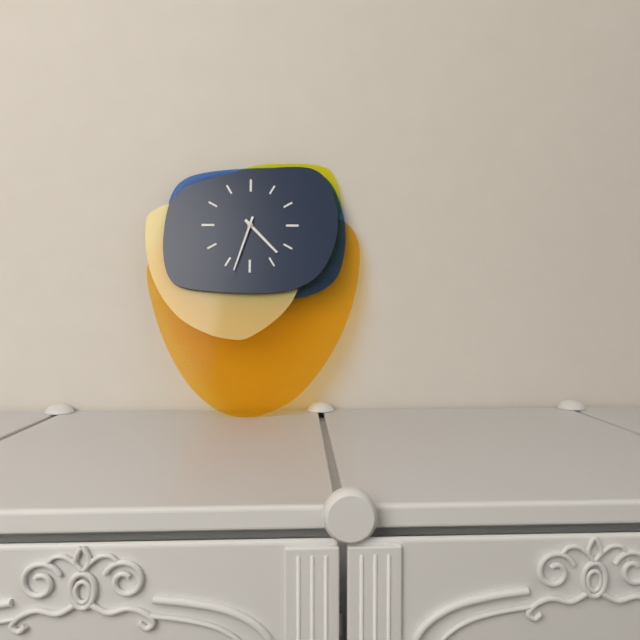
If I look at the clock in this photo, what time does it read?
4:33
